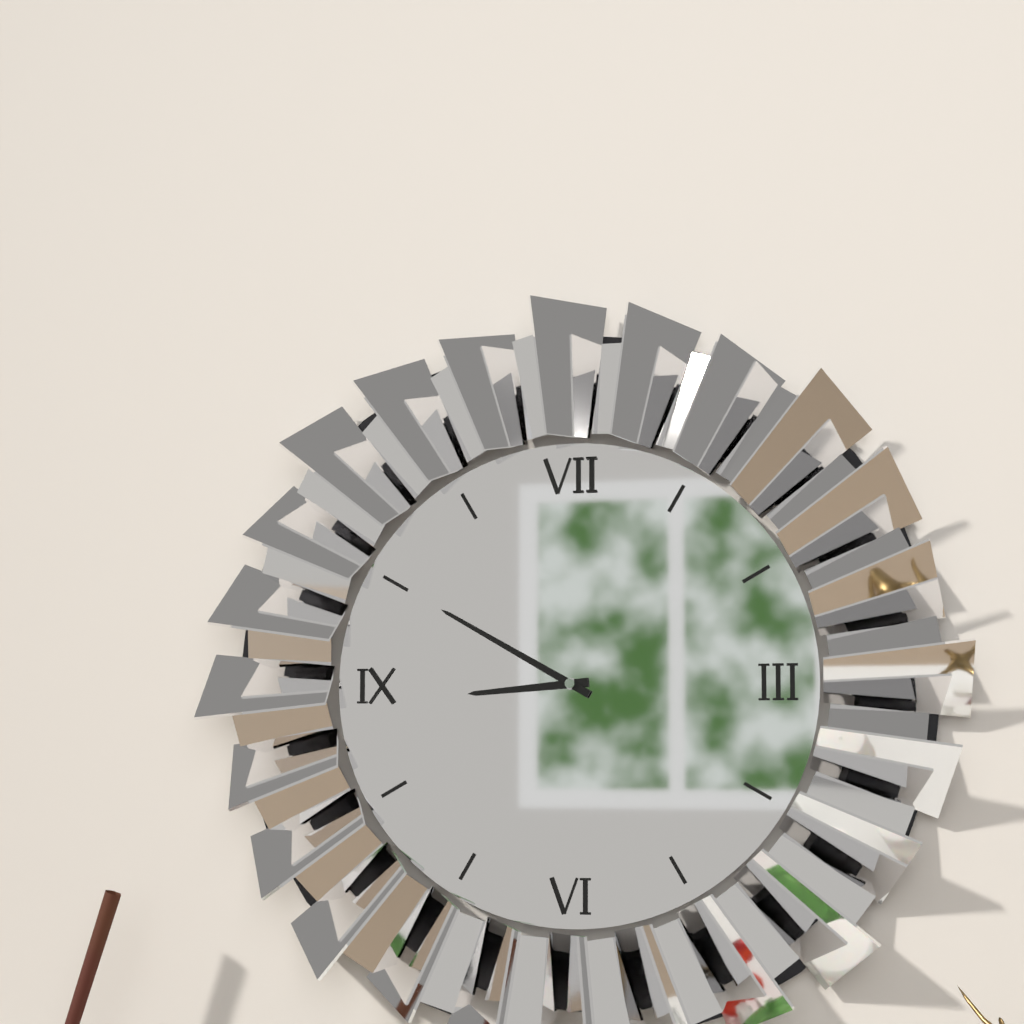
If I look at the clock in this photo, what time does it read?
8:50
